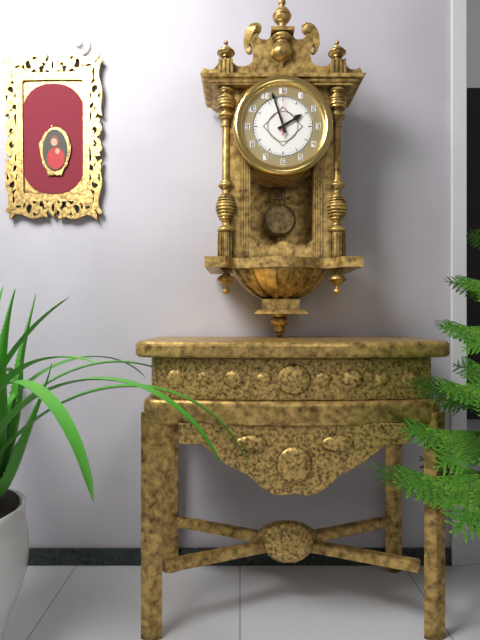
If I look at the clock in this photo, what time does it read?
1:57
